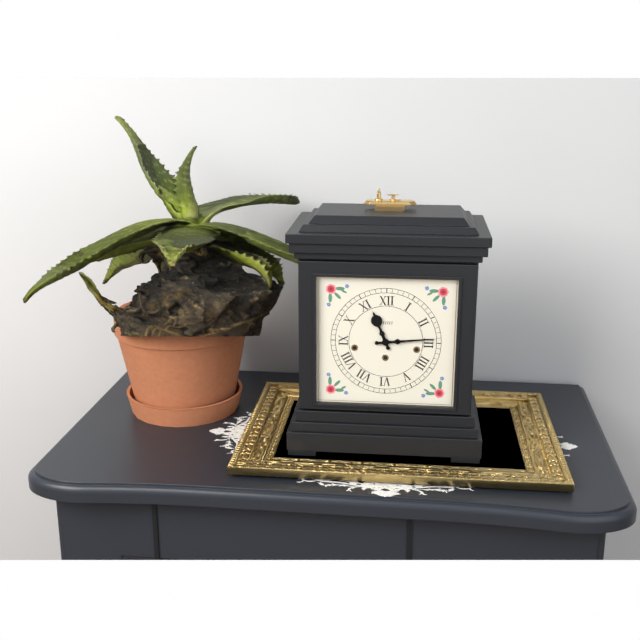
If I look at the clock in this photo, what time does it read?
11:14
